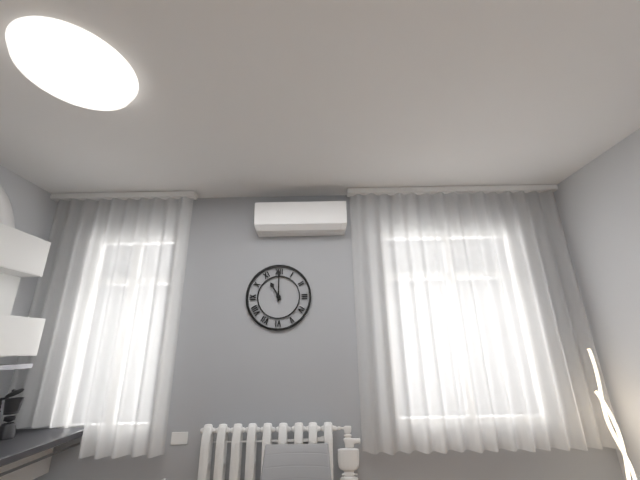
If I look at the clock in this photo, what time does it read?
11:00
